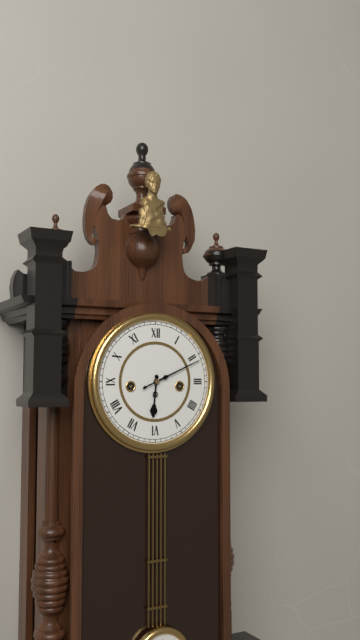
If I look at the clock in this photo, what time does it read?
6:11
